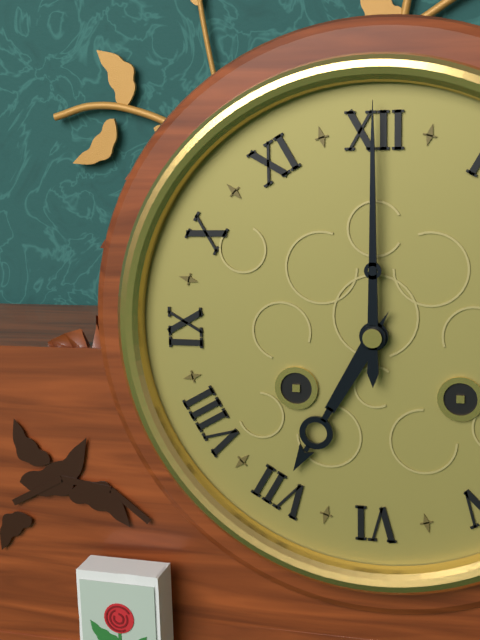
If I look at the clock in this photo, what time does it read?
7:00
